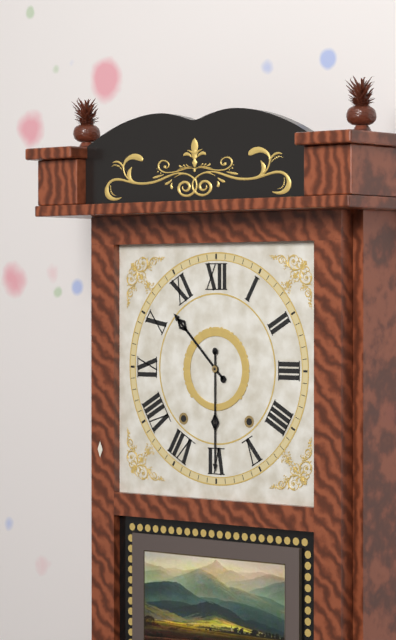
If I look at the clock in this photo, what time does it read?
10:30
